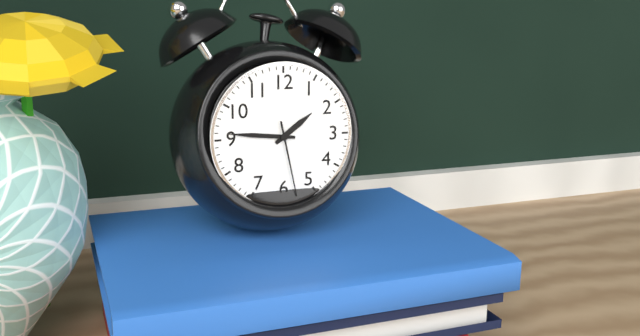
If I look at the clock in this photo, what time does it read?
1:46:28
